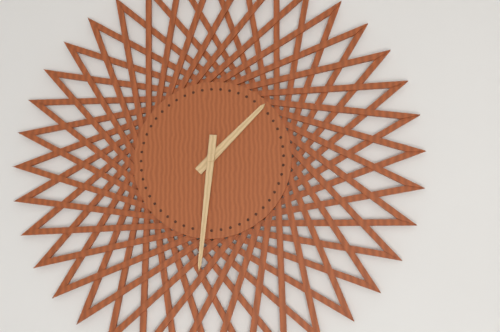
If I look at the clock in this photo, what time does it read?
1:31
